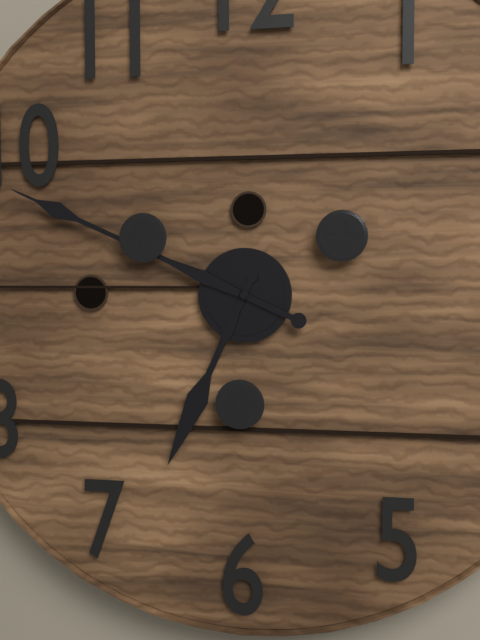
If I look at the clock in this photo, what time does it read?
6:49
